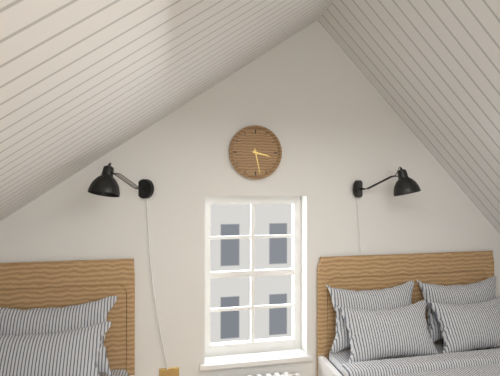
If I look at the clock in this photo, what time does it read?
3:28
